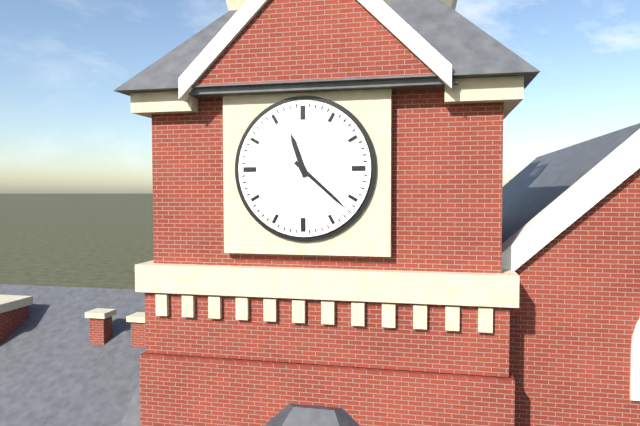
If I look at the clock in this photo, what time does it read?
11:22
